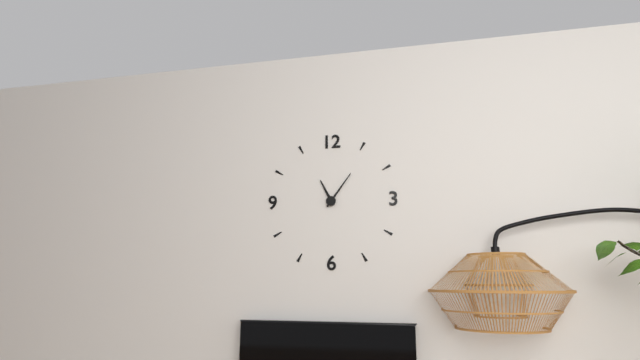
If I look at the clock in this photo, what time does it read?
11:06
